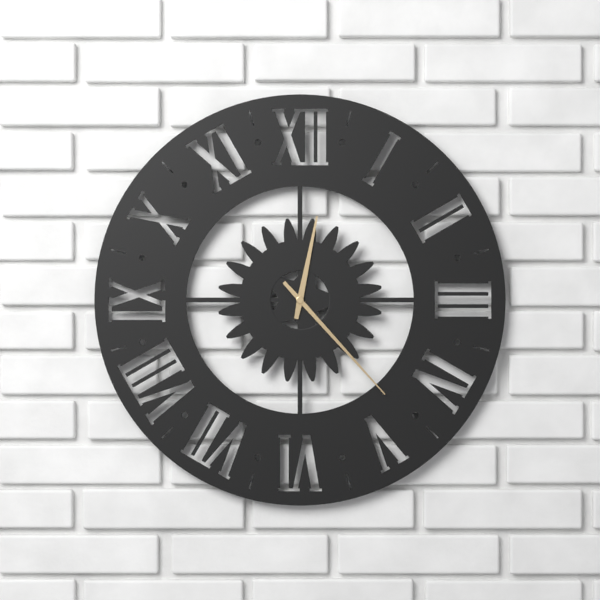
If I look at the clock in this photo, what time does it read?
12:23
